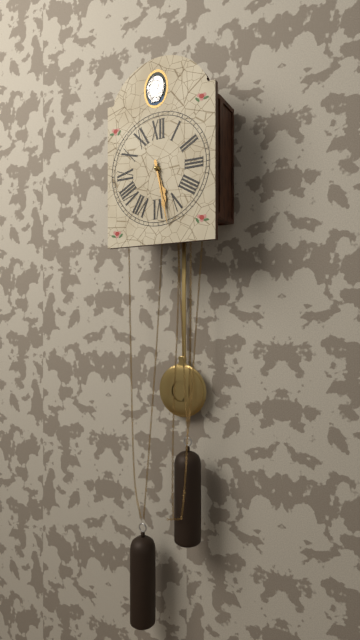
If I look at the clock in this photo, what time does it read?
5:28
